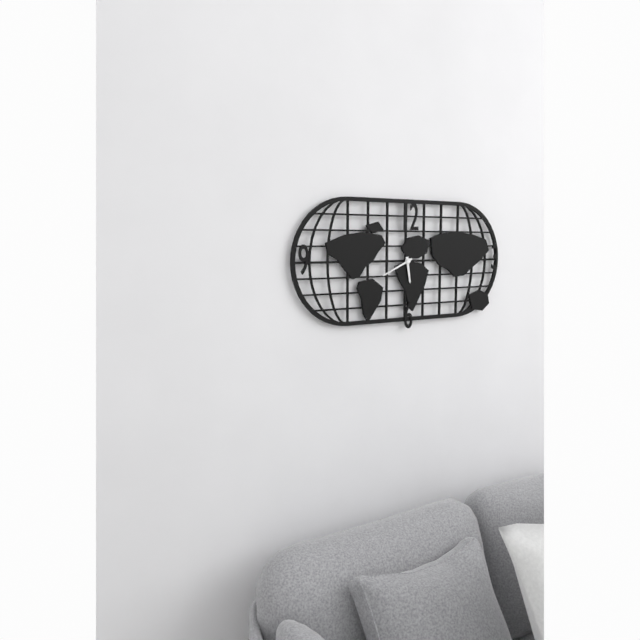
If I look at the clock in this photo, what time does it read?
5:41
